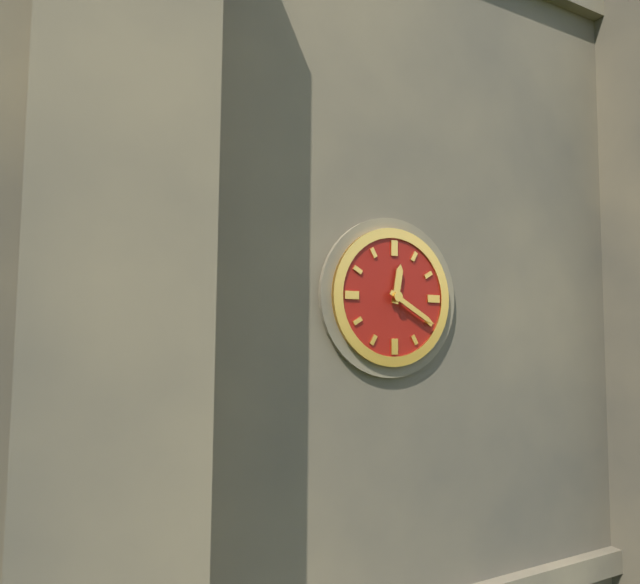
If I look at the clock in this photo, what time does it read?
12:20
